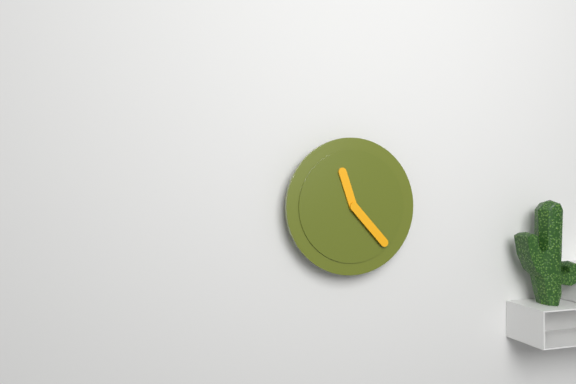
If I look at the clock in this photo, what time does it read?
11:23
